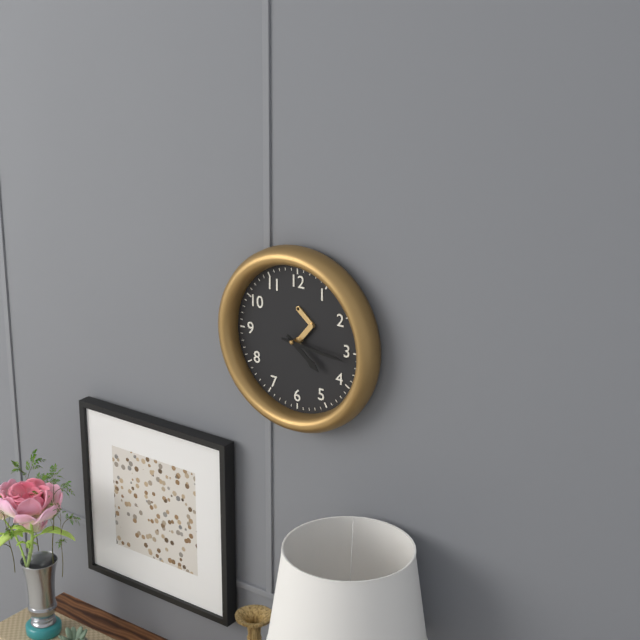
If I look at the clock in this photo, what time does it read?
4:16
